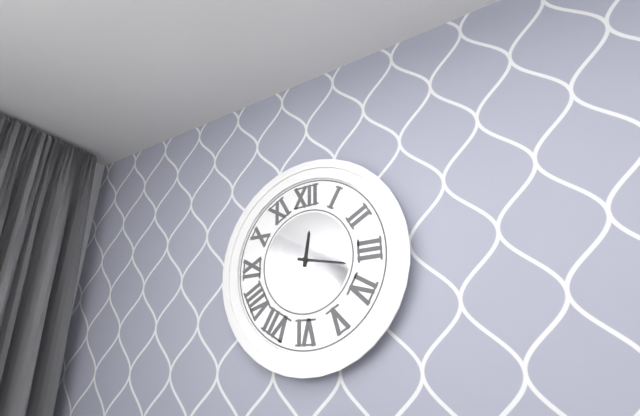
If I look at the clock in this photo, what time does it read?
12:17
